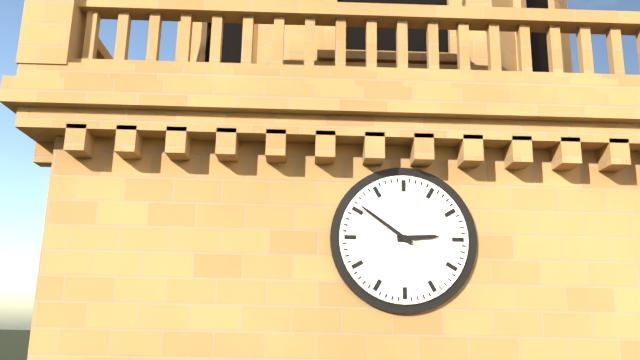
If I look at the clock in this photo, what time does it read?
2:51
